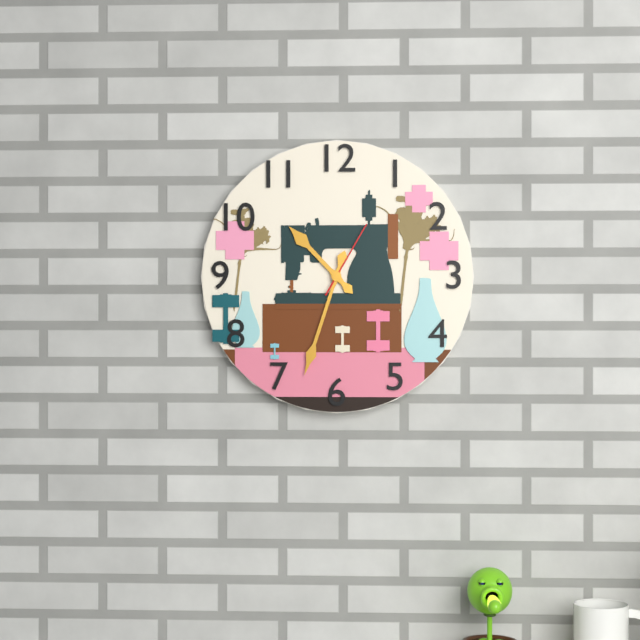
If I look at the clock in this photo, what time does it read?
10:33:05
